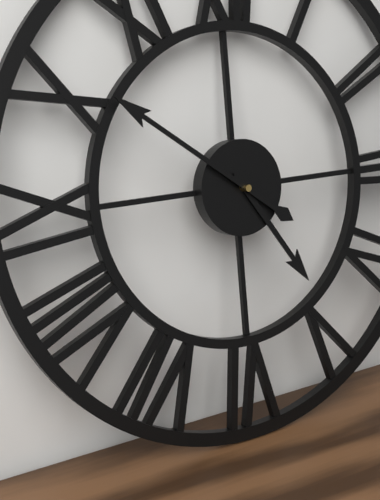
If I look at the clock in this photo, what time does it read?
4:51
